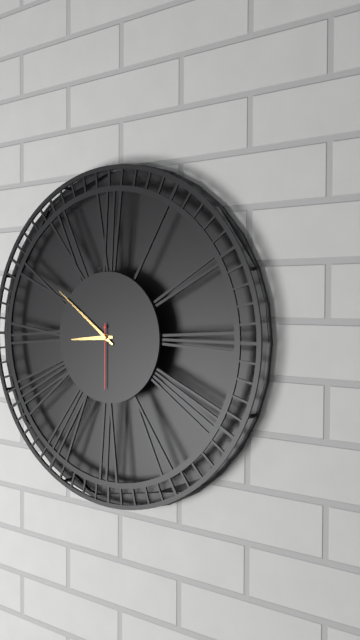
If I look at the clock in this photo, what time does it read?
8:51:30
